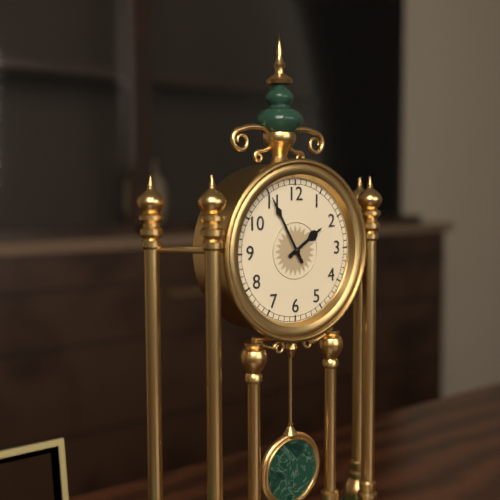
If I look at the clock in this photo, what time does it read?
1:55
